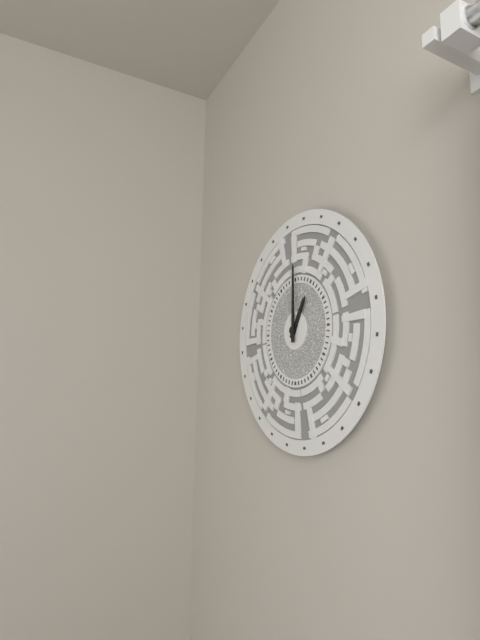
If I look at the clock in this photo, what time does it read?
1:00
